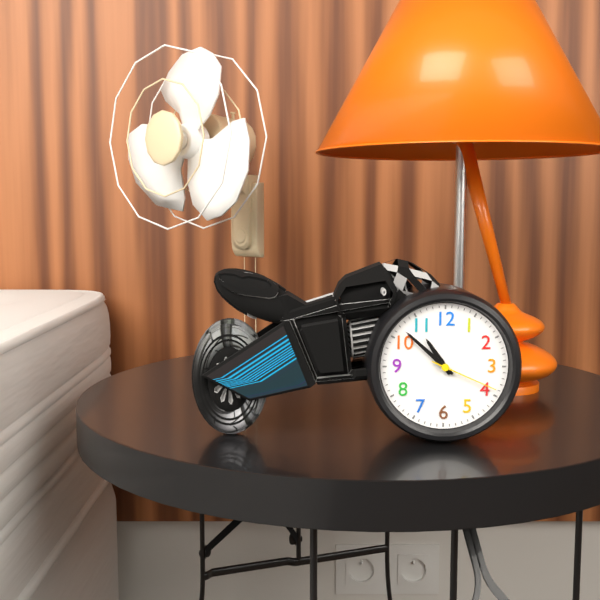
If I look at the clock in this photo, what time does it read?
10:52:19
